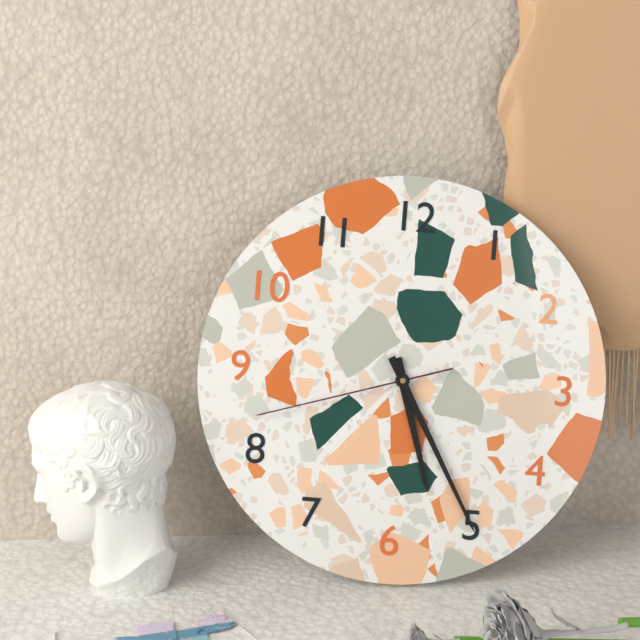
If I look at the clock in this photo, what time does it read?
5:25:42
